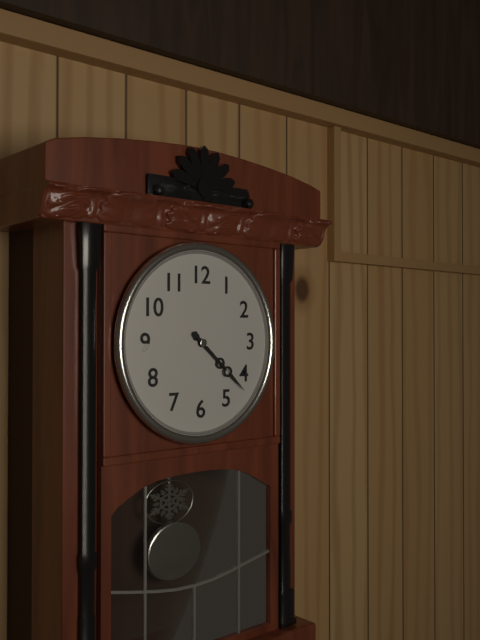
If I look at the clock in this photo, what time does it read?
4:22
